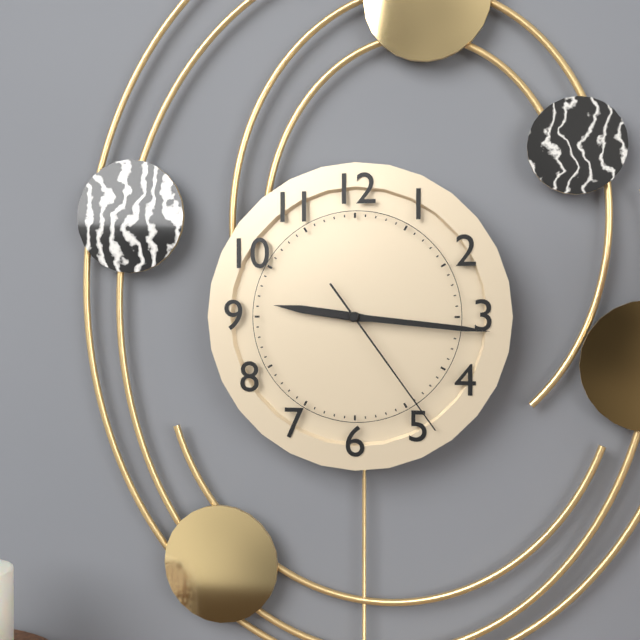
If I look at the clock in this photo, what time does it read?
9:16:24
